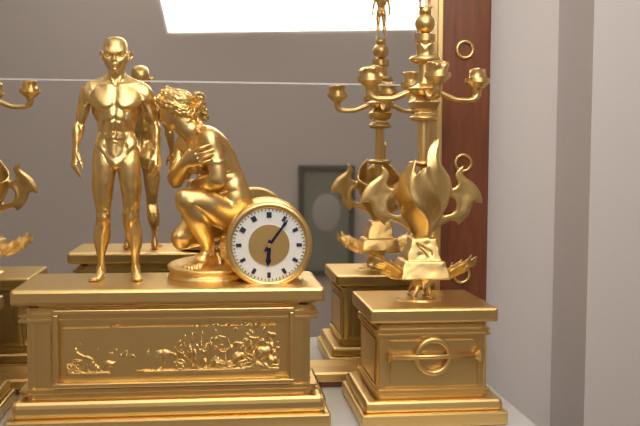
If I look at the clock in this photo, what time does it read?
6:06
